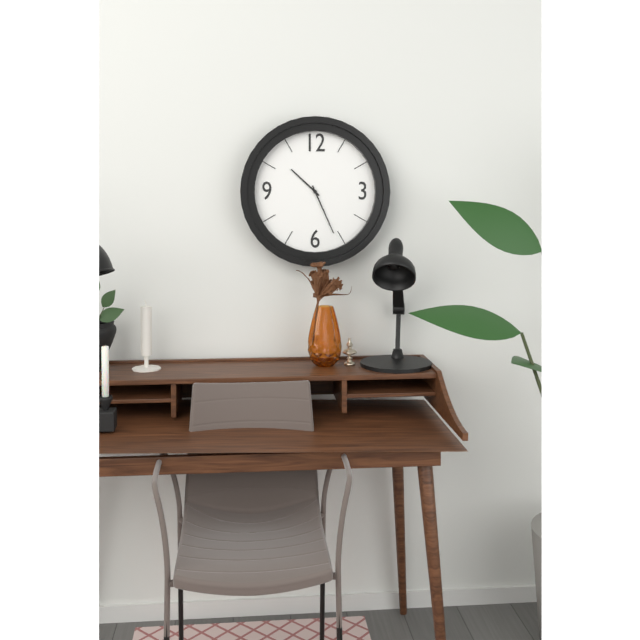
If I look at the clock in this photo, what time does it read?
10:26
